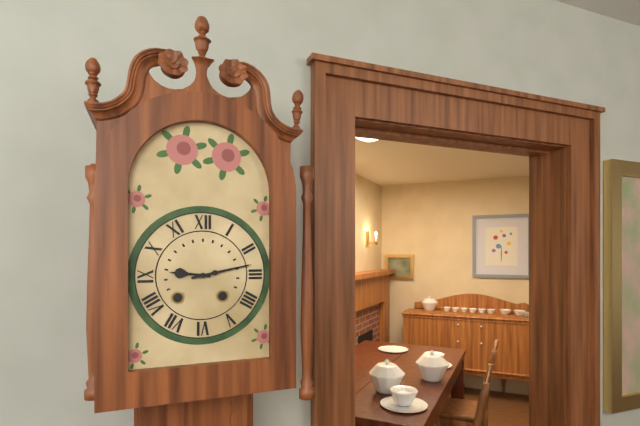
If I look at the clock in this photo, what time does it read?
9:13
